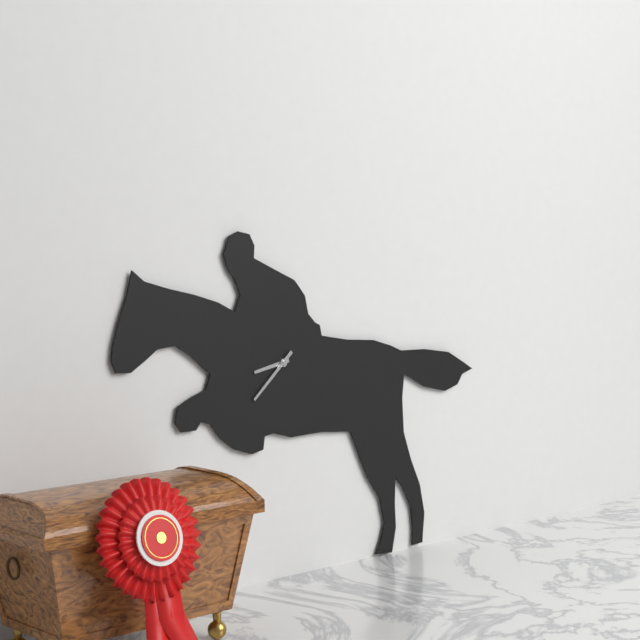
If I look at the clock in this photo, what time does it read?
8:38
